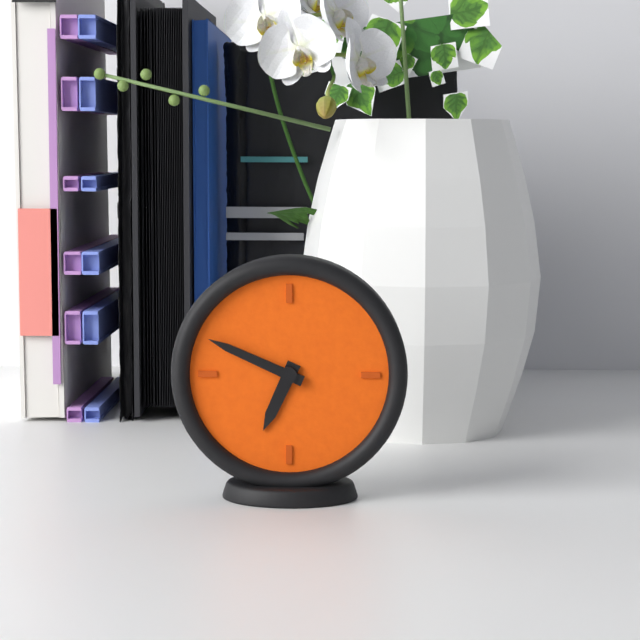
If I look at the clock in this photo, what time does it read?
6:49
